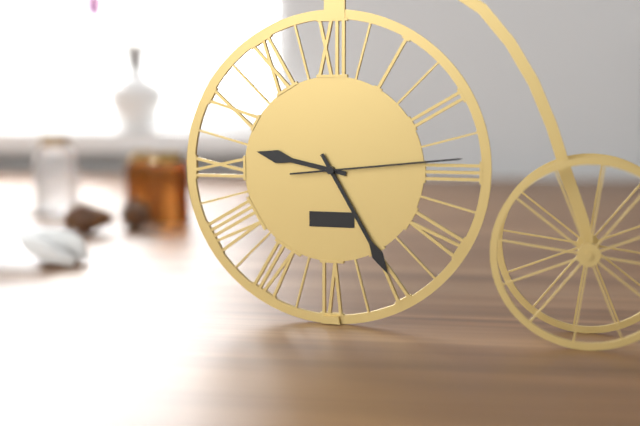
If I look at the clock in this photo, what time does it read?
9:25:14
